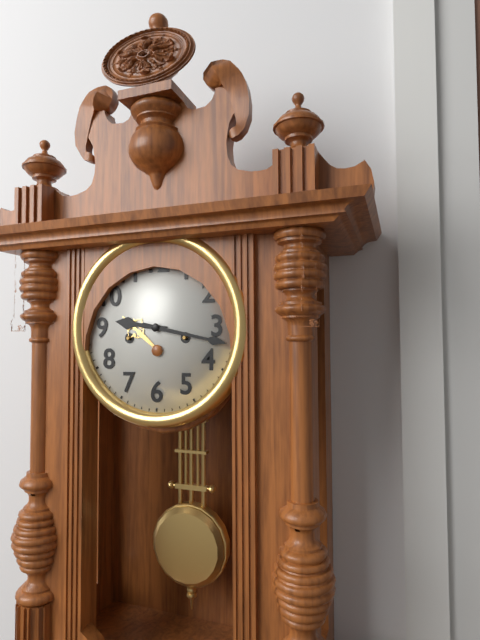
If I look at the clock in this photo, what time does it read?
9:17
